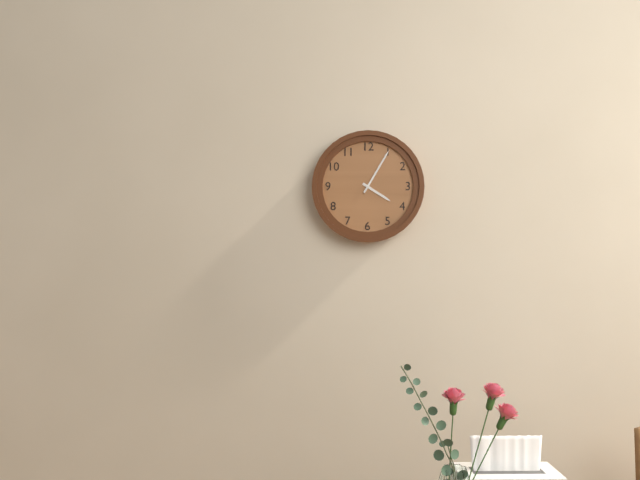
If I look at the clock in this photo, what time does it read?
4:05
